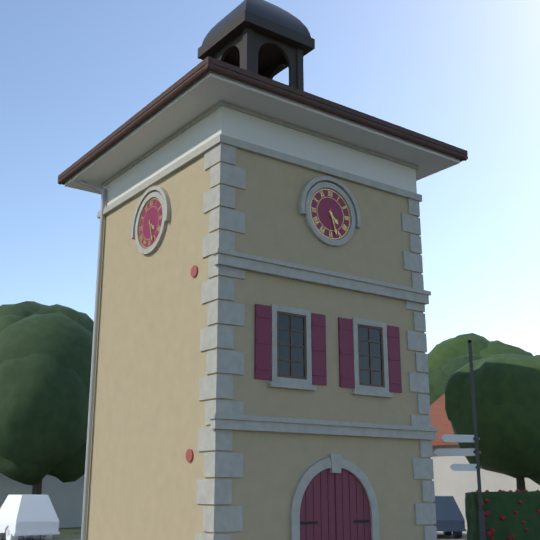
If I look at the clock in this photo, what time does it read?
4:27
